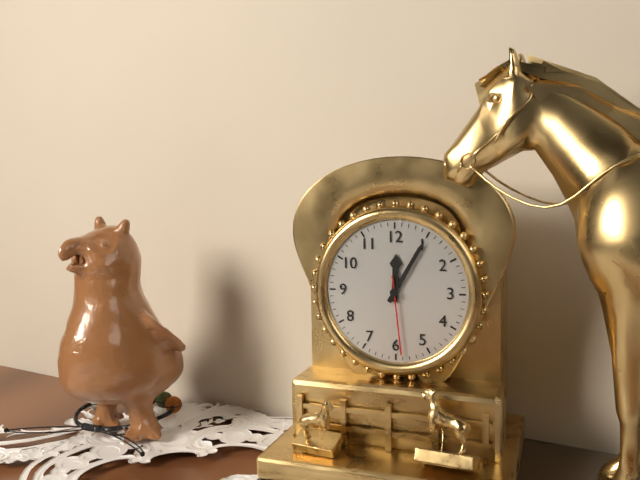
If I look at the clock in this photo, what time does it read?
12:05:29
